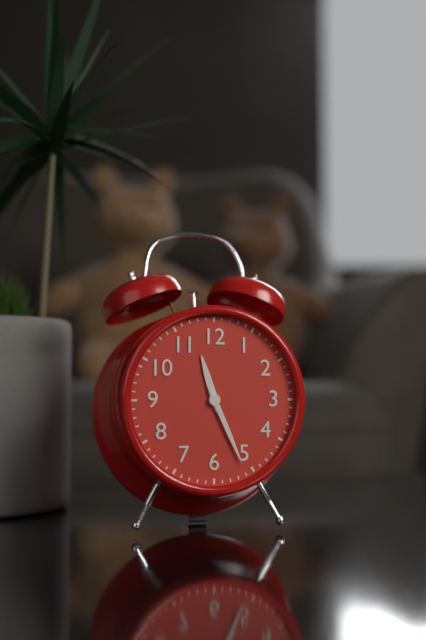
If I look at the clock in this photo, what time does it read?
11:26
